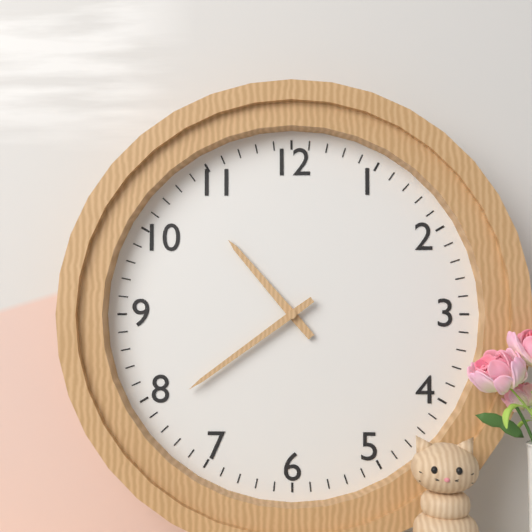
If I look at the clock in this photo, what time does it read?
10:39
